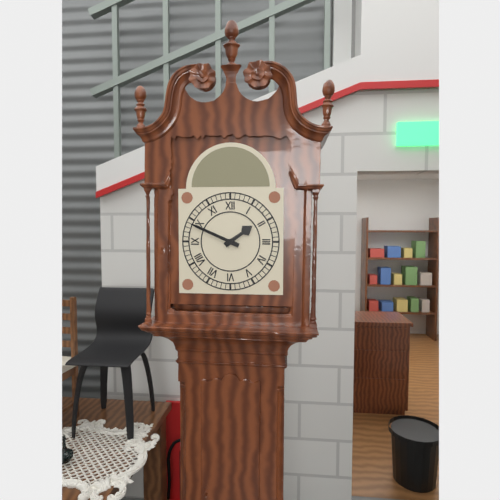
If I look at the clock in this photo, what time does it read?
1:49
